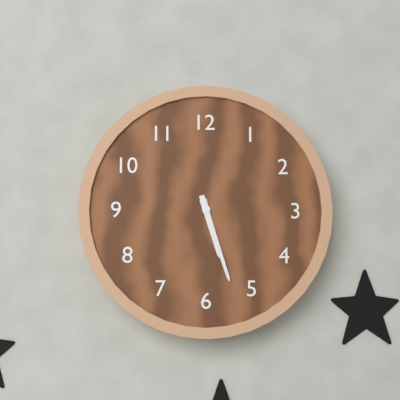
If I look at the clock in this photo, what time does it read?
5:27
